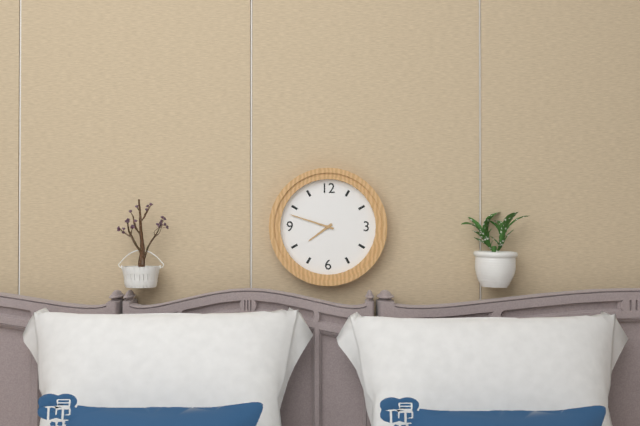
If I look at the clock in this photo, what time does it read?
7:48
